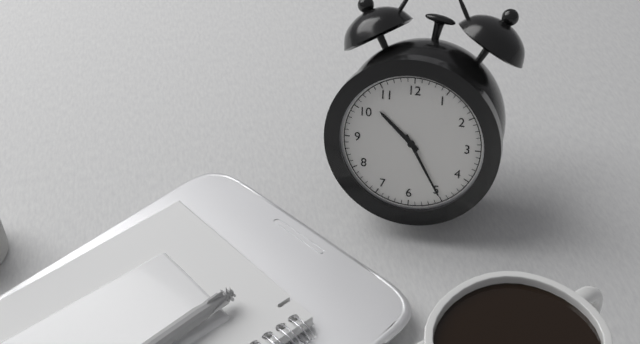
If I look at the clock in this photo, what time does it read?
10:25
